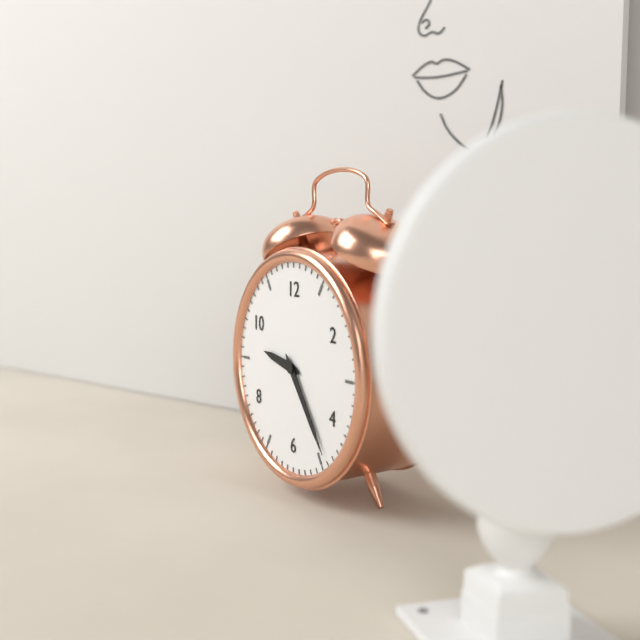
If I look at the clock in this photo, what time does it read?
9:24
